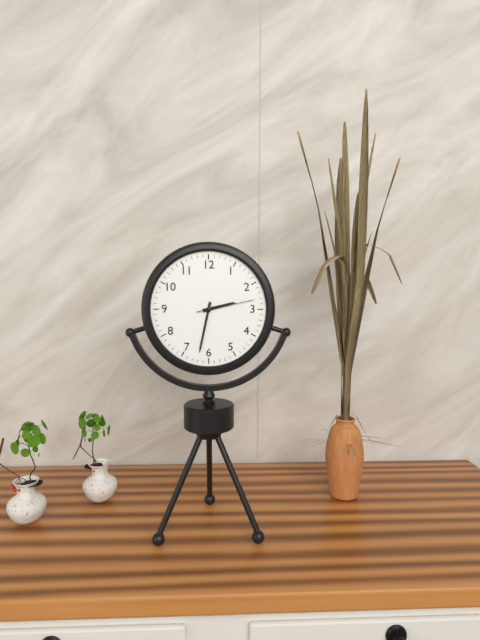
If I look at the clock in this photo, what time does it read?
2:32:13
